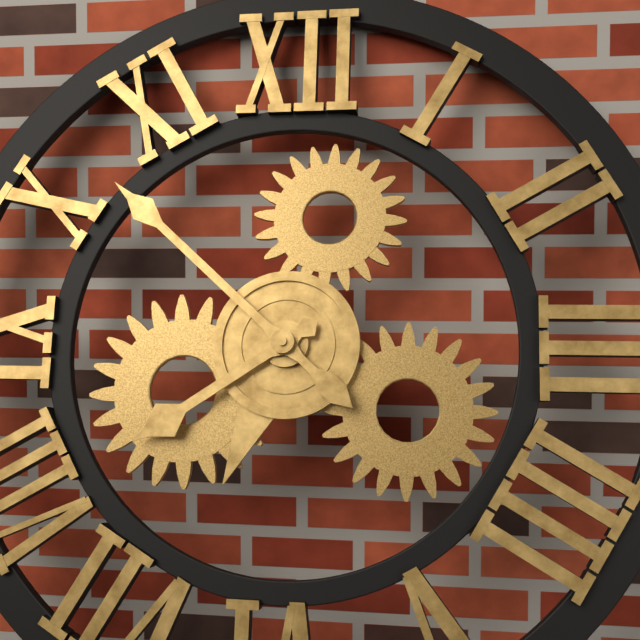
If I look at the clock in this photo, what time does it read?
7:52
